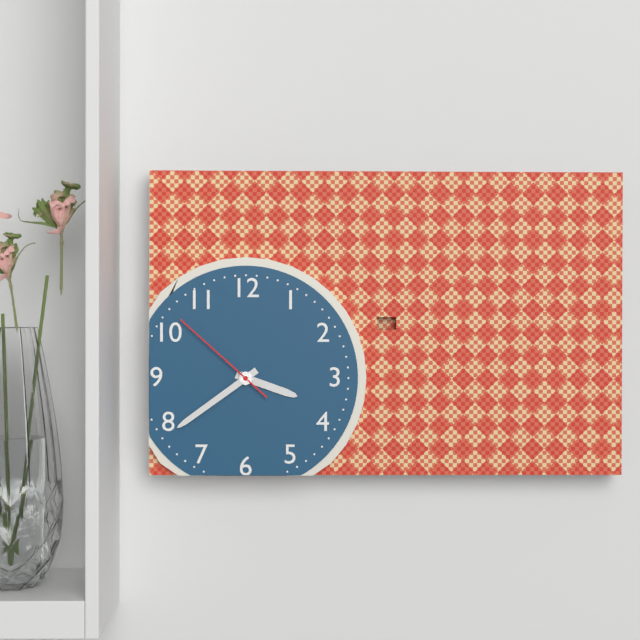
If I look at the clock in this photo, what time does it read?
3:39:52
